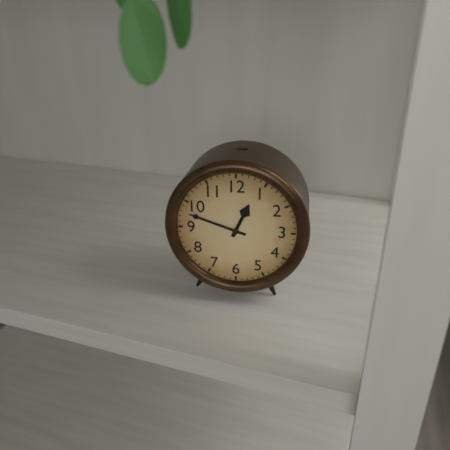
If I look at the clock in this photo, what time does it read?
12:48
